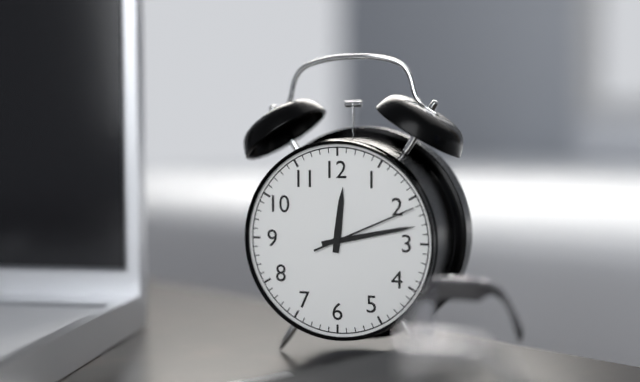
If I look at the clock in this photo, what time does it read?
12:13:11
